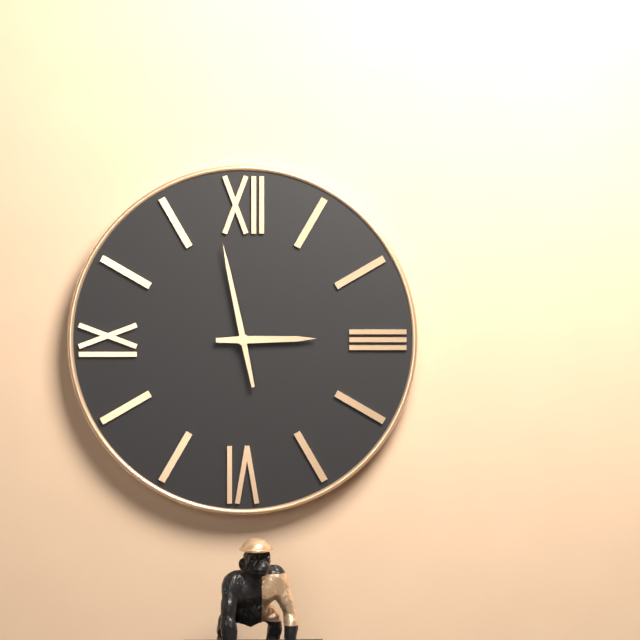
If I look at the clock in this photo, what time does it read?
2:58
